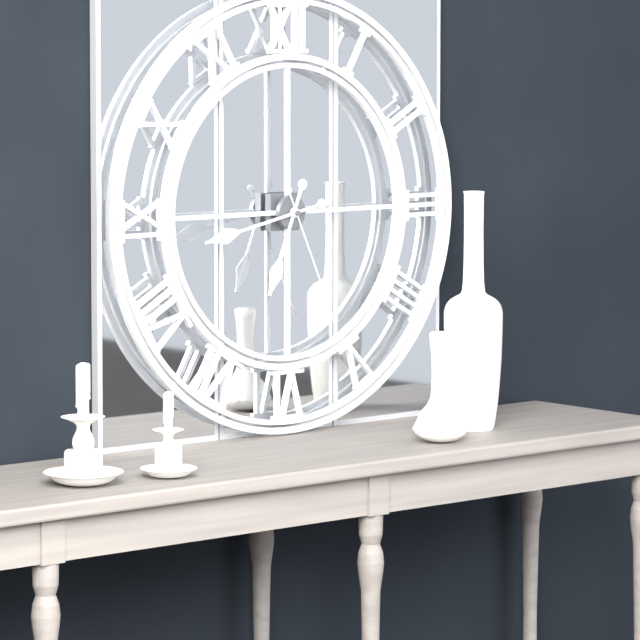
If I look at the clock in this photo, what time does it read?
6:43:26
